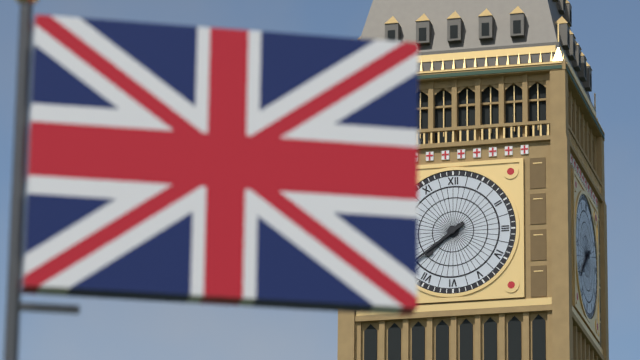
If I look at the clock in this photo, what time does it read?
7:39
